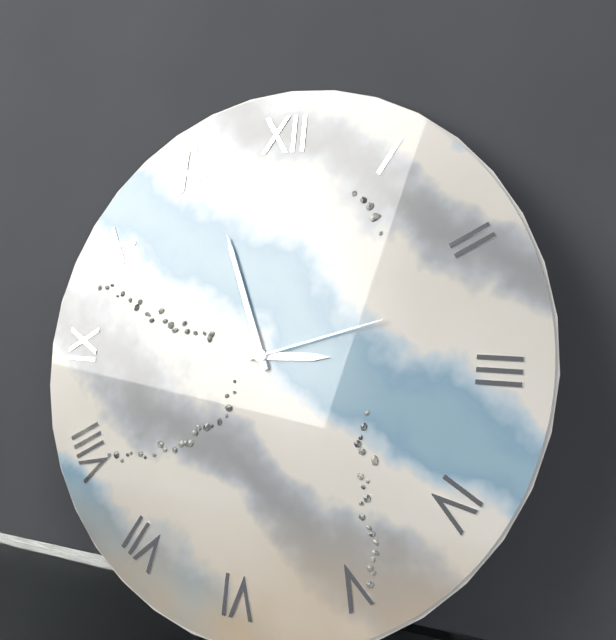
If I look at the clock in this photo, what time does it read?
2:56:12
